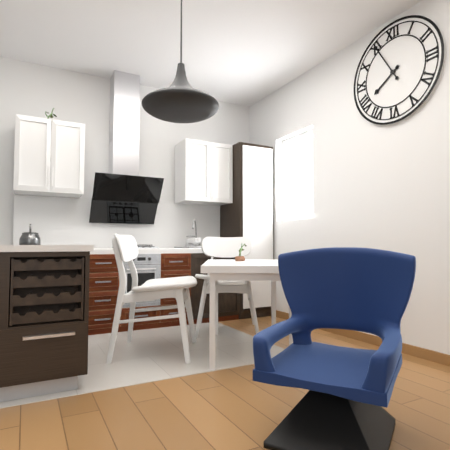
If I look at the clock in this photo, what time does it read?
7:55
